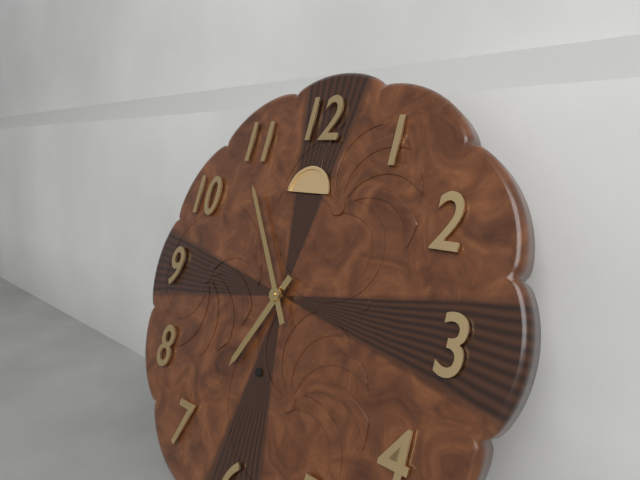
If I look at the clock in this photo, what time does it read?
6:54
